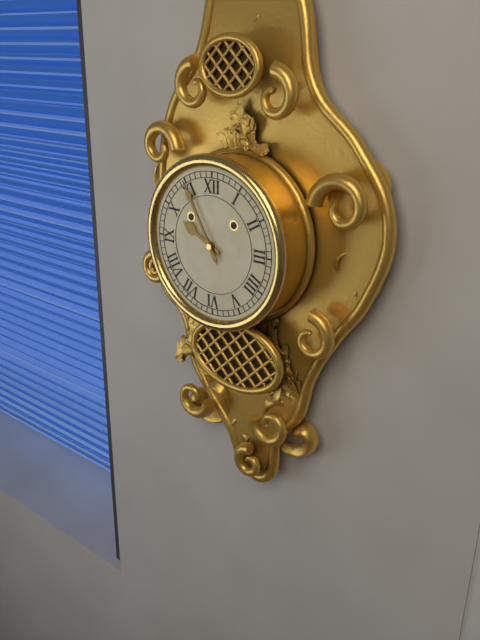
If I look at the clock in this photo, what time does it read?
9:55
